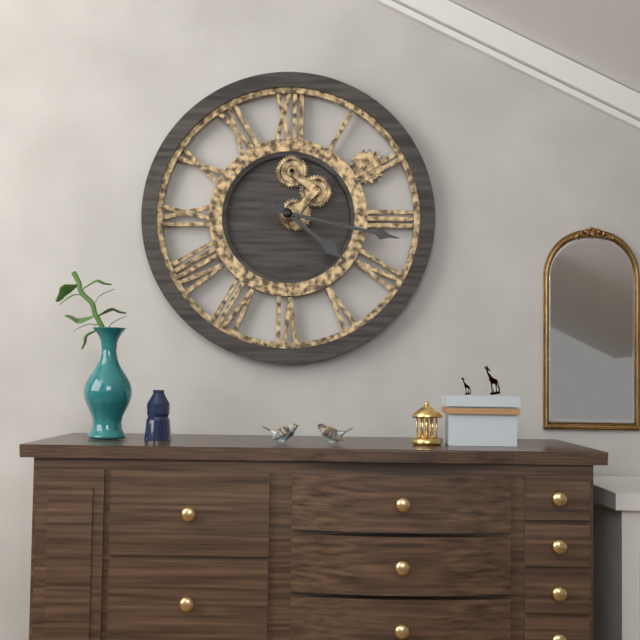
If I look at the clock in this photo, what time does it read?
4:17
